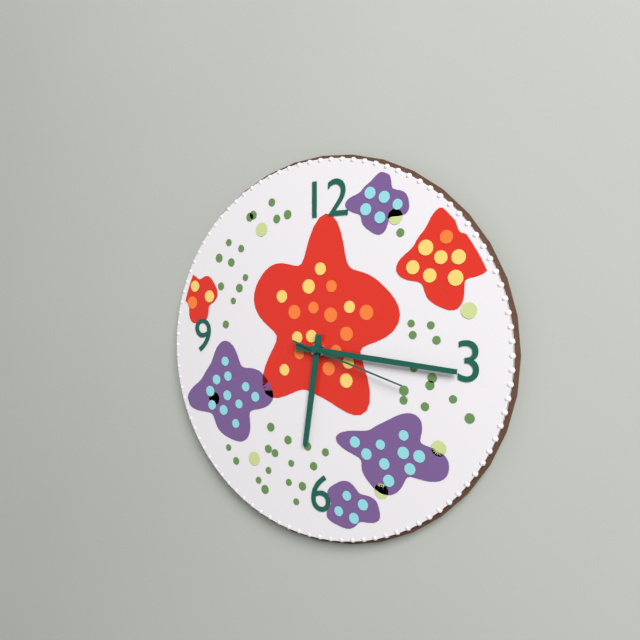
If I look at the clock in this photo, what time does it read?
6:16:18
